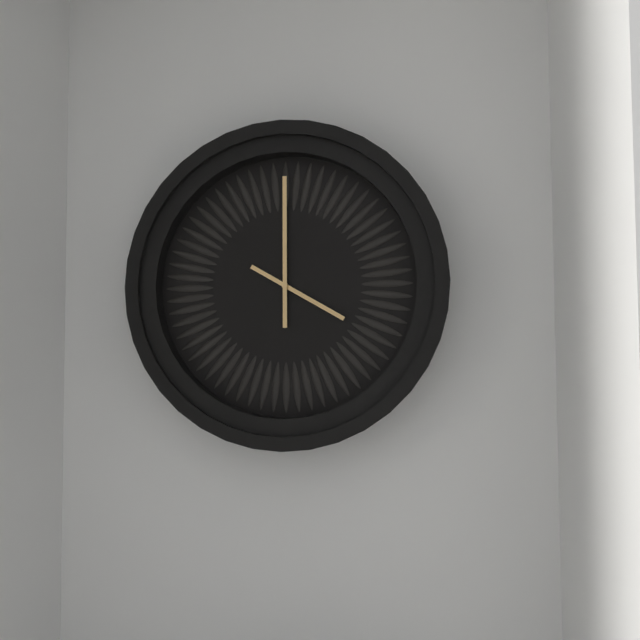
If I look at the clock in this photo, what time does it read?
4:00
